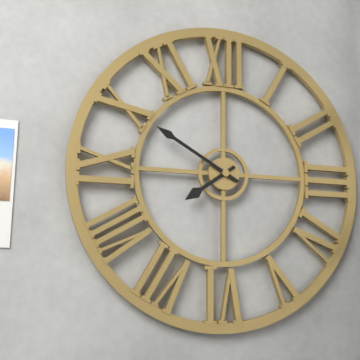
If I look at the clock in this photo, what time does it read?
7:50
